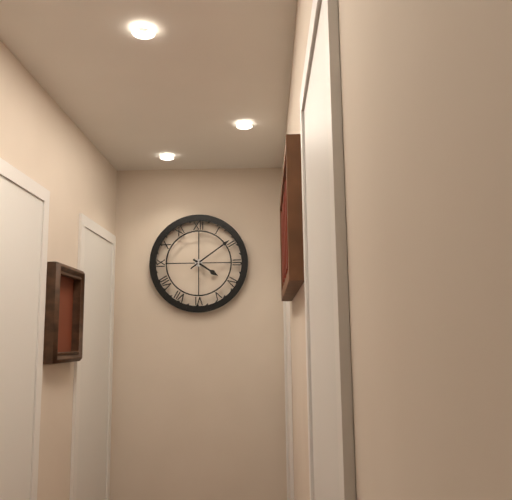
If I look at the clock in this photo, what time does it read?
4:09
